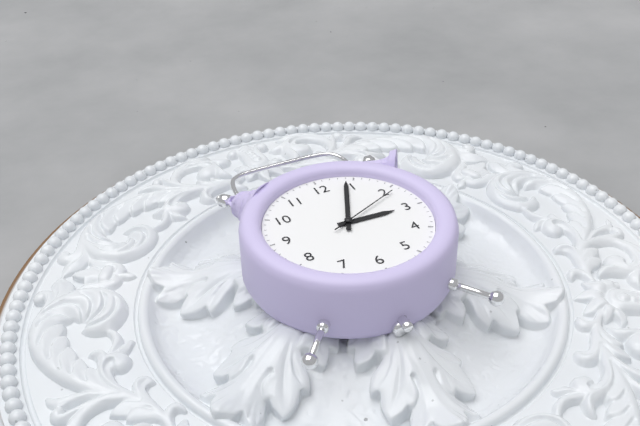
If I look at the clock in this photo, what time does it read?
3:04:11
